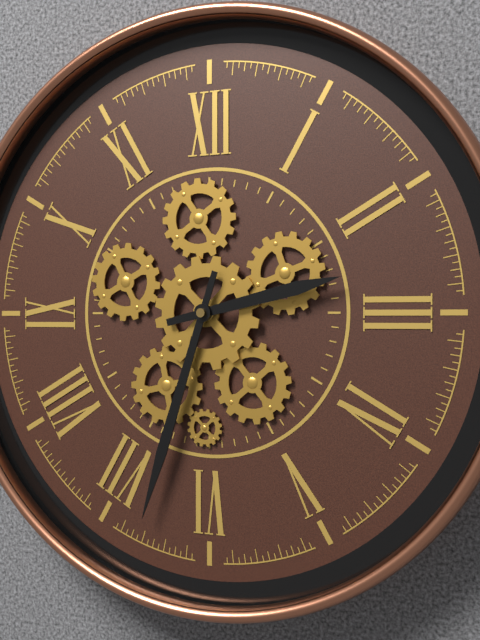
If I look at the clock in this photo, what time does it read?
2:33
